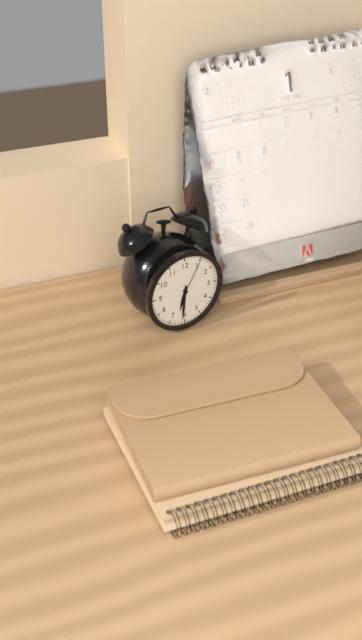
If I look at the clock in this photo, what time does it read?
6:31
